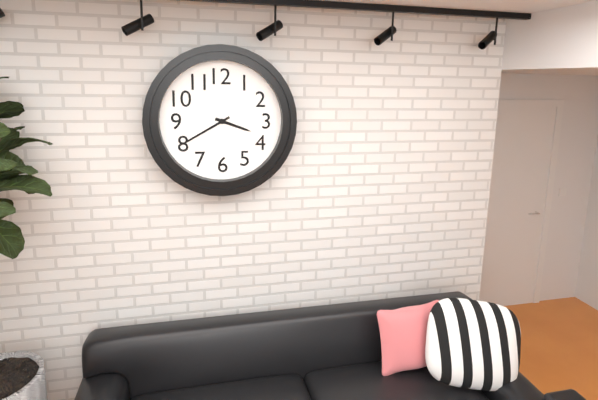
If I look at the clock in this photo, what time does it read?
3:40
